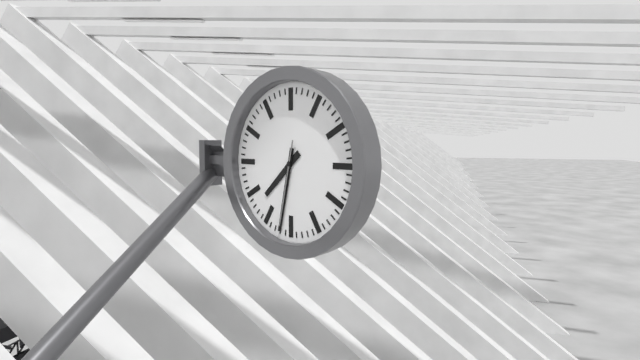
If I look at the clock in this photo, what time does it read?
7:32:32
